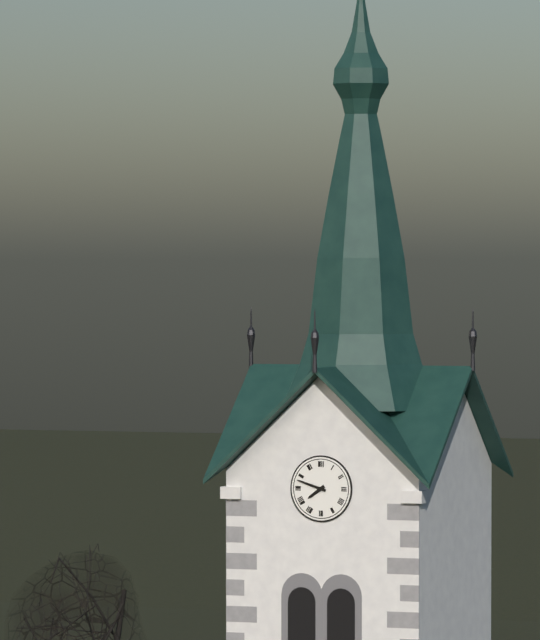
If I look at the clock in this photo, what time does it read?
7:48
